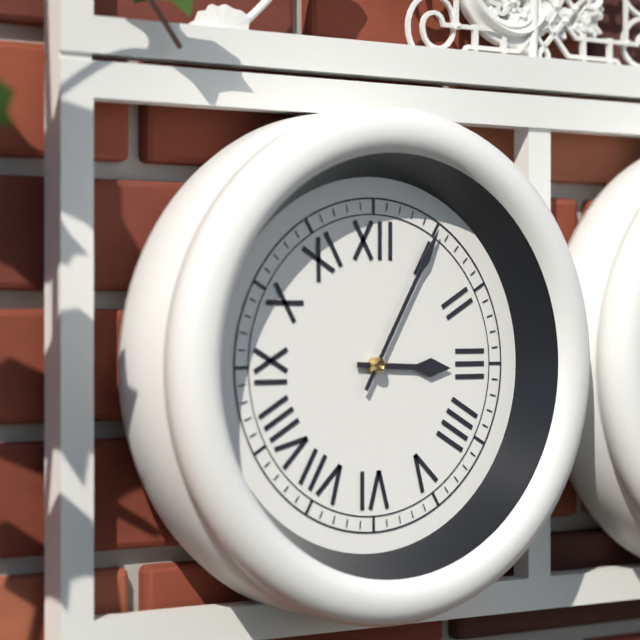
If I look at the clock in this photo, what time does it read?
3:05
